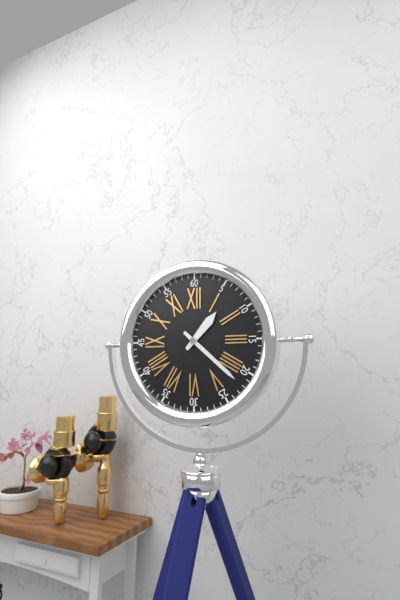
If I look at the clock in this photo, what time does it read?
1:22
